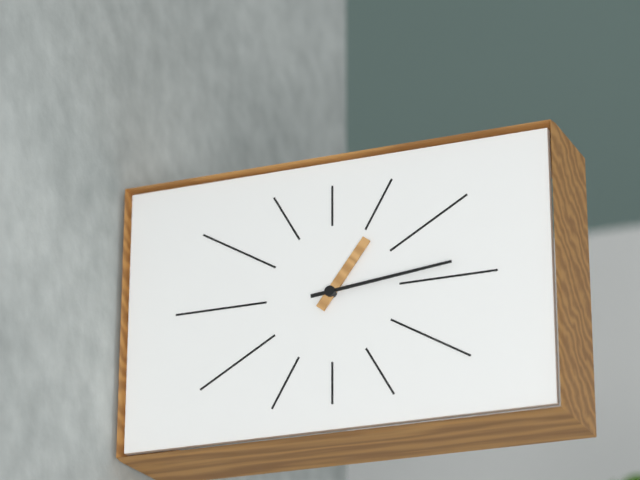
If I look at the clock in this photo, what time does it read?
1:14
